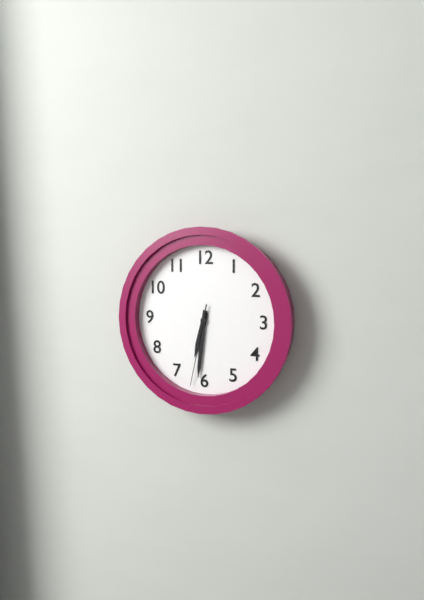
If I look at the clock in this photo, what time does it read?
6:31:32
